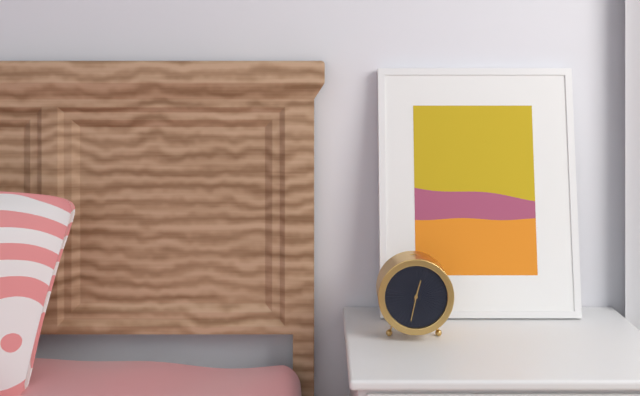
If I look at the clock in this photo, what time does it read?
12:32
